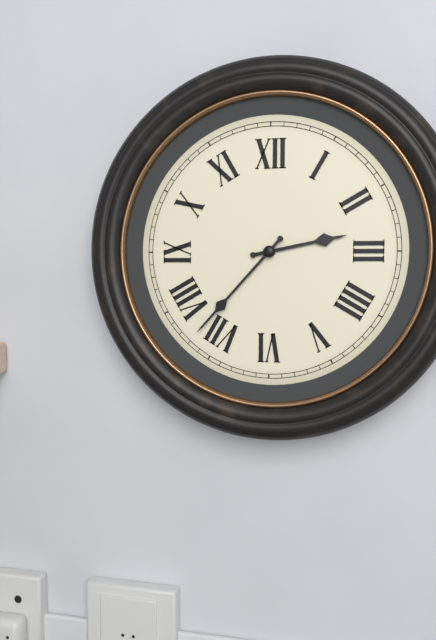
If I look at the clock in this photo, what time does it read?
2:37
